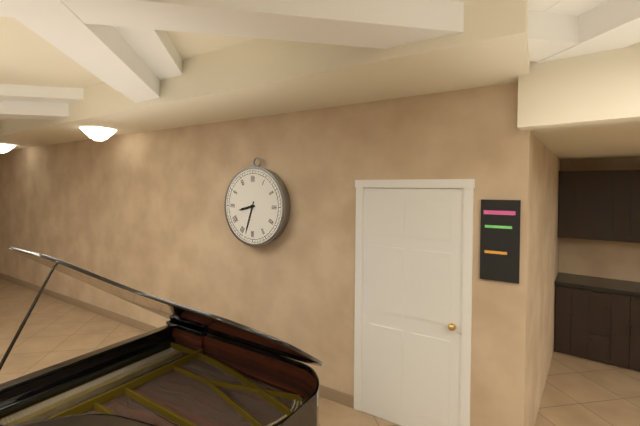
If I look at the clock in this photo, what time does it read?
8:33
